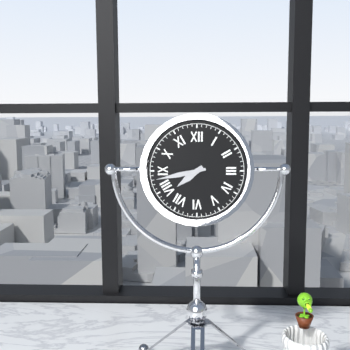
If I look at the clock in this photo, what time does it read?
7:43
